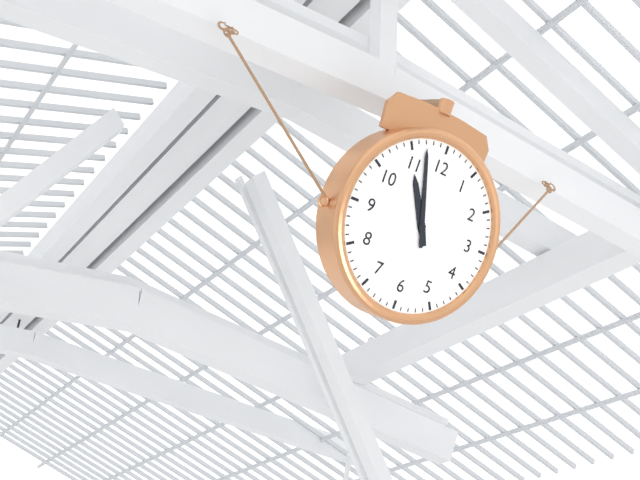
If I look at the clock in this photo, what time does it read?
10:57
